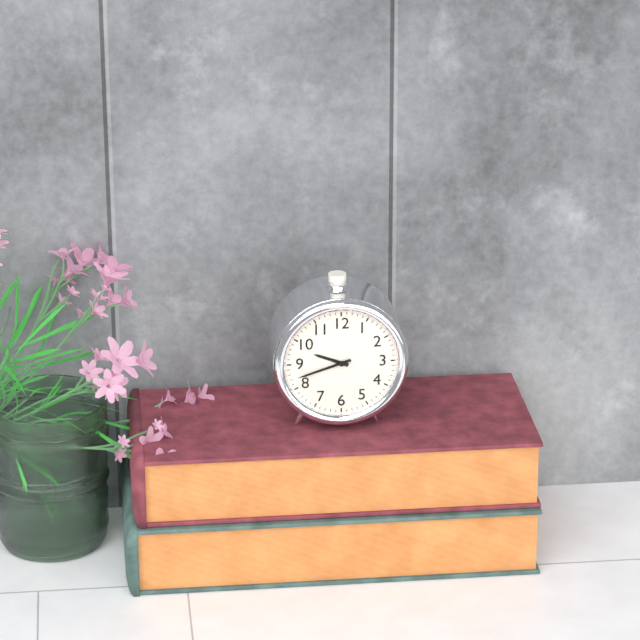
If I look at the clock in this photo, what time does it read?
9:42
